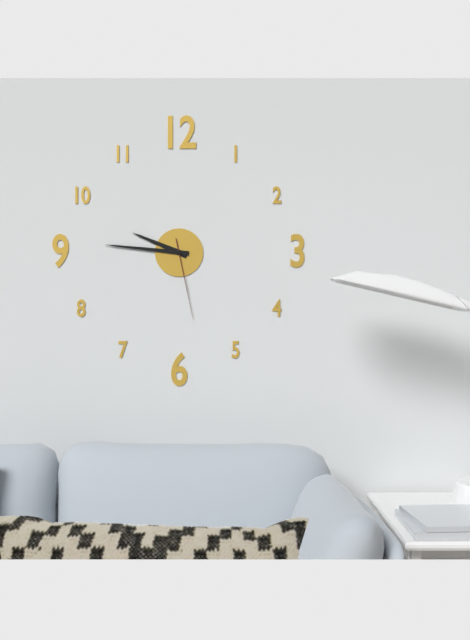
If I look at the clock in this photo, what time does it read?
9:46:28
